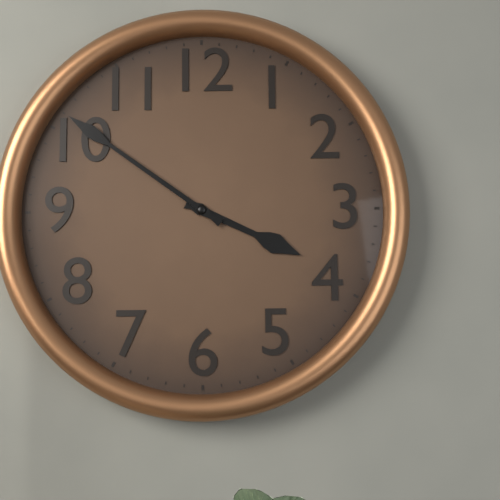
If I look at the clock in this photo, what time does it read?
3:51
